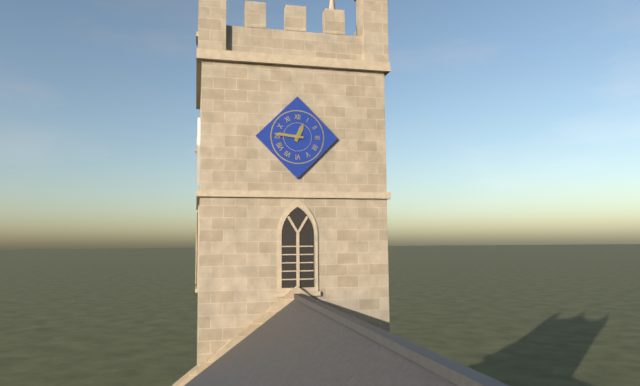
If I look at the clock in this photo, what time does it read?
12:46
